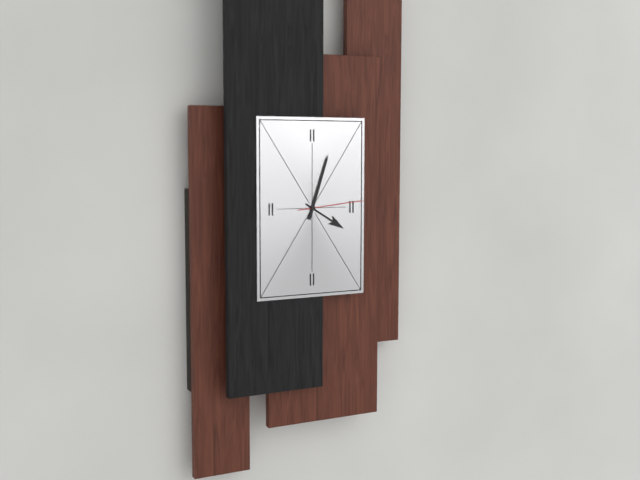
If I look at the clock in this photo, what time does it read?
4:03:14
